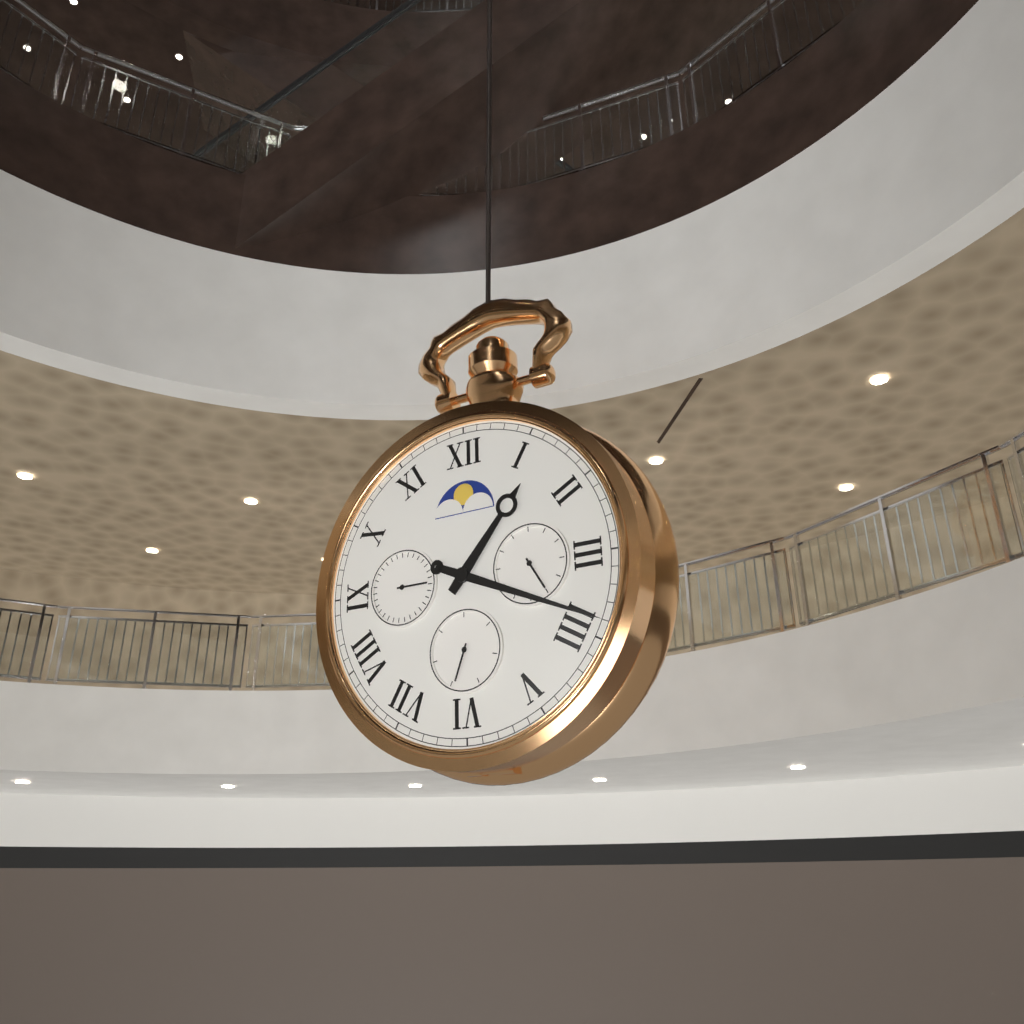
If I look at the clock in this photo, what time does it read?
1:19
